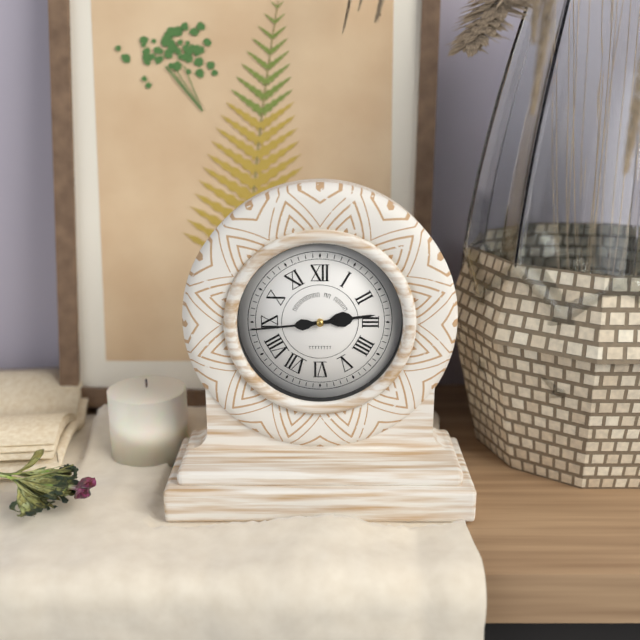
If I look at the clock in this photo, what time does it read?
2:44
